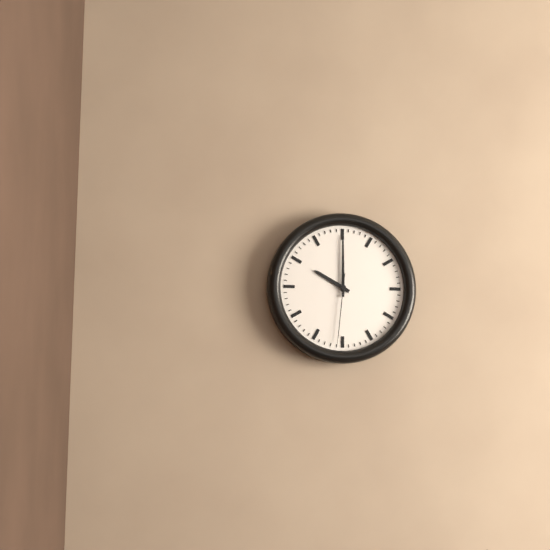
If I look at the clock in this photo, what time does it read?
10:00:31
